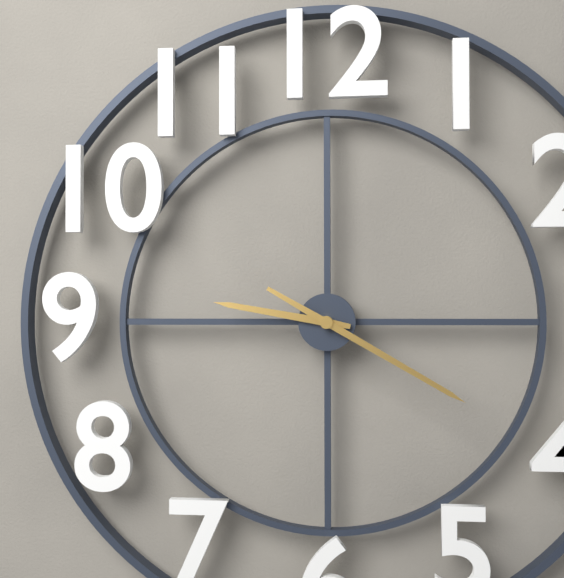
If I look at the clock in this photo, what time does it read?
9:20
